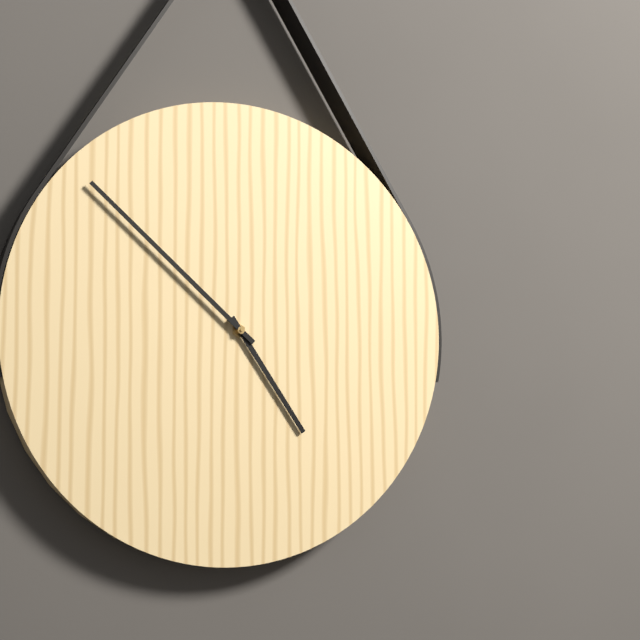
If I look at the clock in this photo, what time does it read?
4:52
